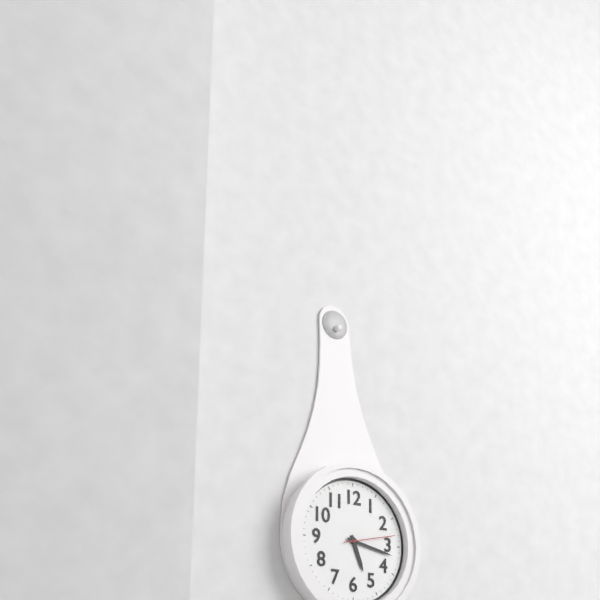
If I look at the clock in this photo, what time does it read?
5:17:13
